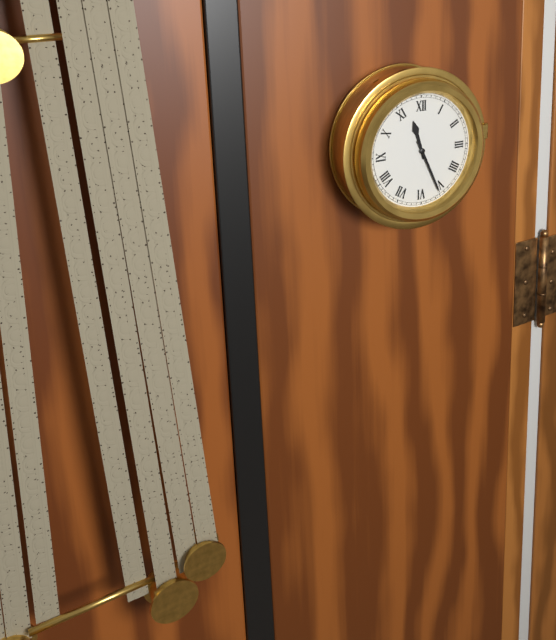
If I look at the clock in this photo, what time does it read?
11:26
